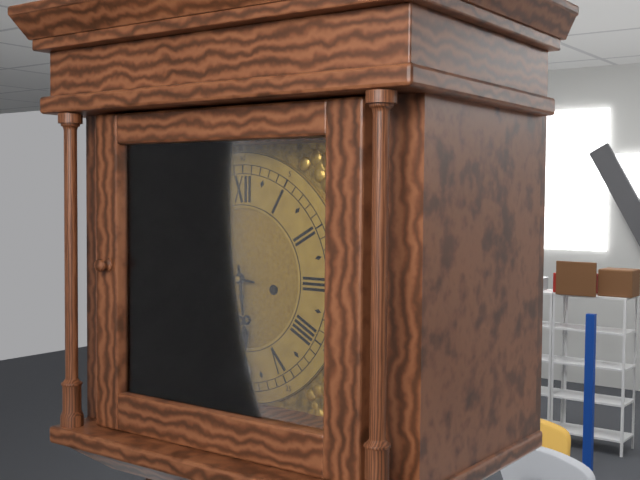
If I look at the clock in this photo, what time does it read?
5:46
